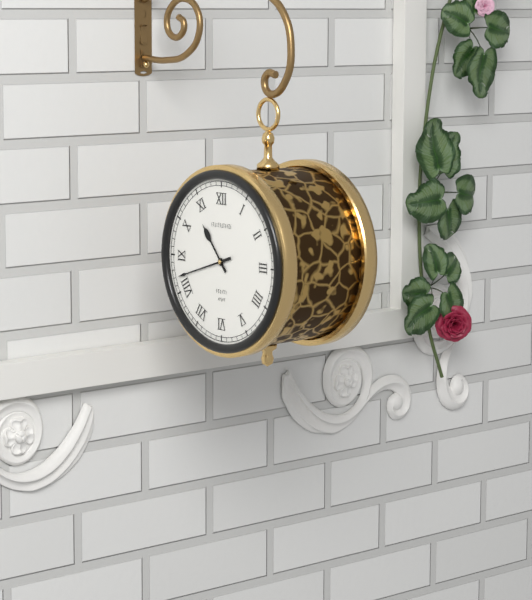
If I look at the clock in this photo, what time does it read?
10:42
